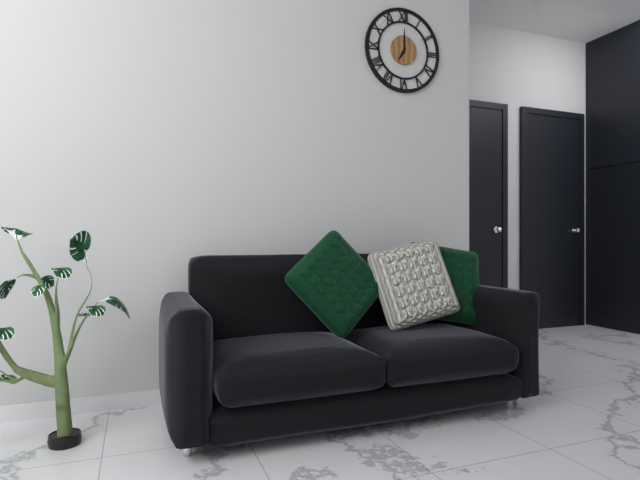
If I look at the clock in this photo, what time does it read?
7:00
